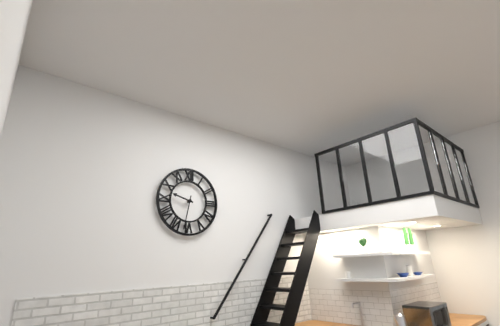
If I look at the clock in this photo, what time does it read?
9:32
